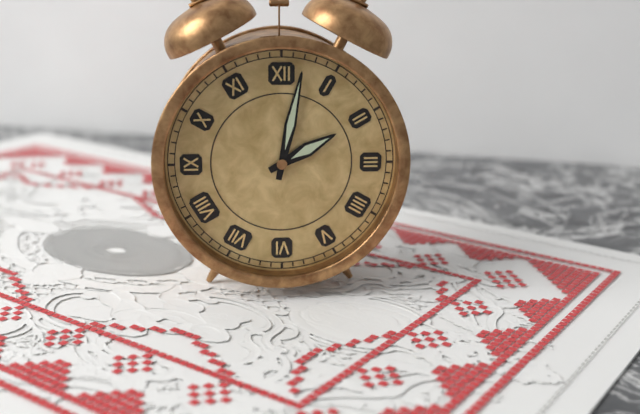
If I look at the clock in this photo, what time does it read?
2:02
